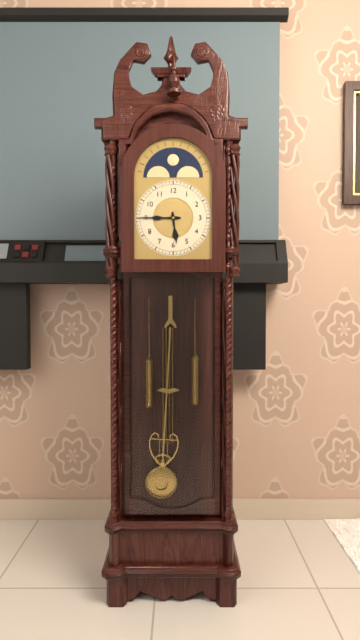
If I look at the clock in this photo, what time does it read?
5:45
